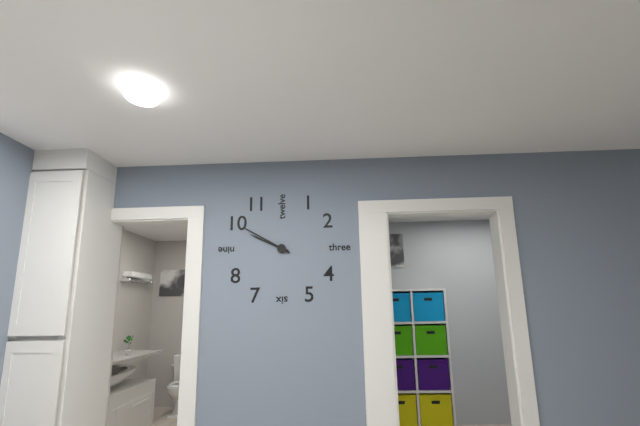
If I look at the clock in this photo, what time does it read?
9:50
